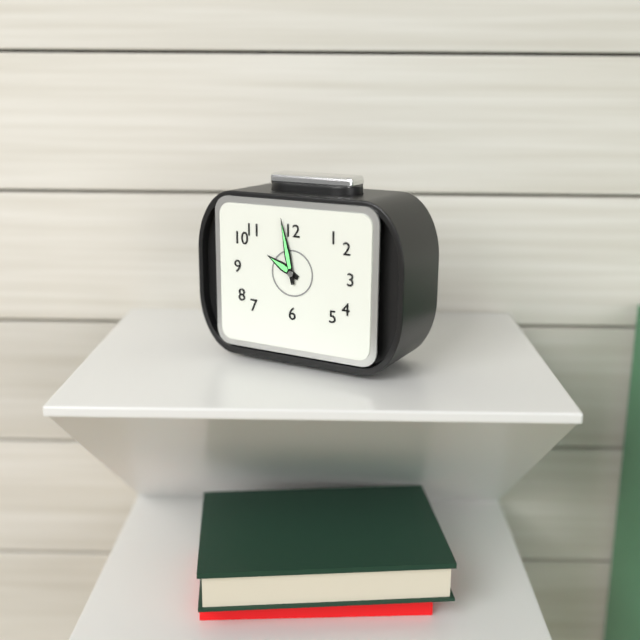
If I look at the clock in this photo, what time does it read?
9:58
